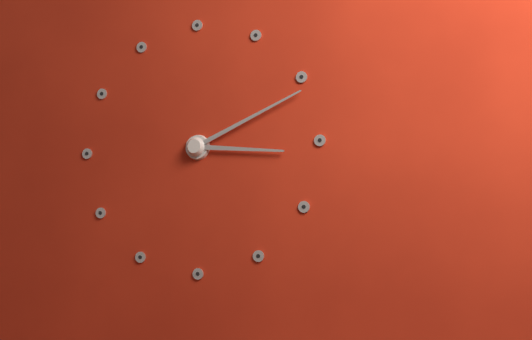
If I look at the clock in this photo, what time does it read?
3:11
